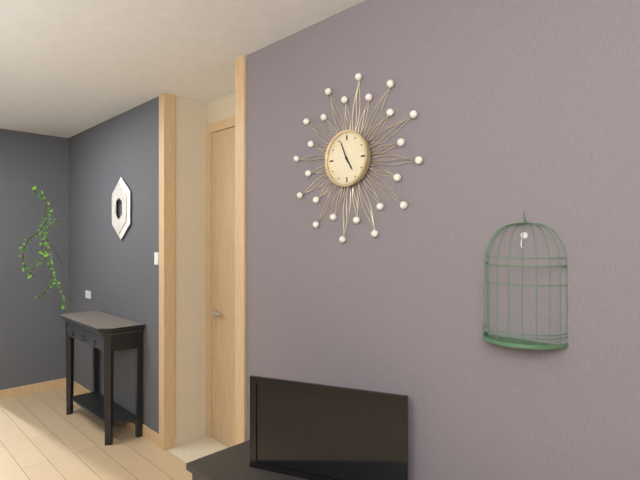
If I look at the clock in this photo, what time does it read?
4:56
